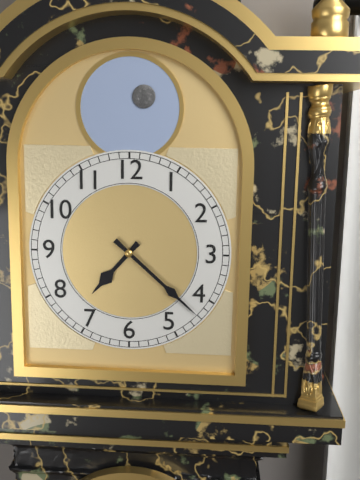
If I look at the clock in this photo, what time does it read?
7:22
